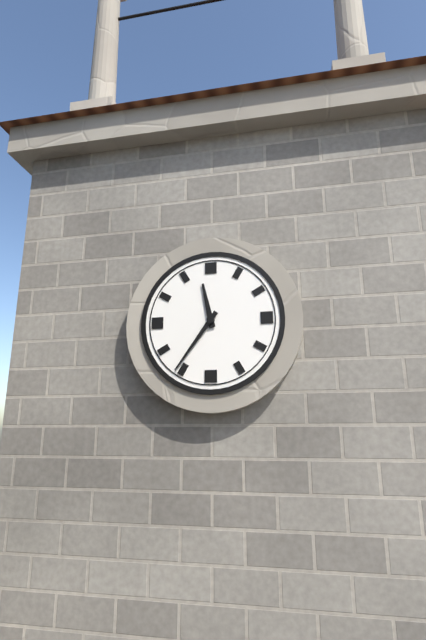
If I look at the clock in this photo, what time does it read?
11:36
